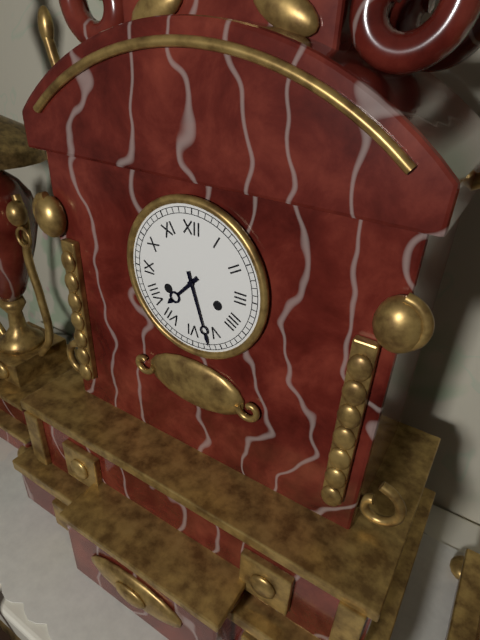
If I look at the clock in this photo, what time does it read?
7:27
